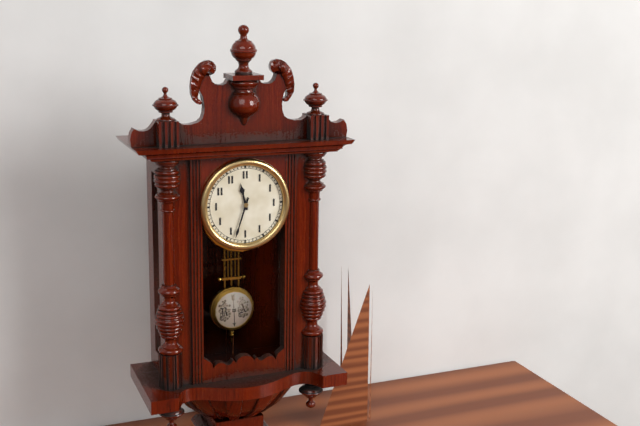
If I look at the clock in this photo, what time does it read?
11:33
